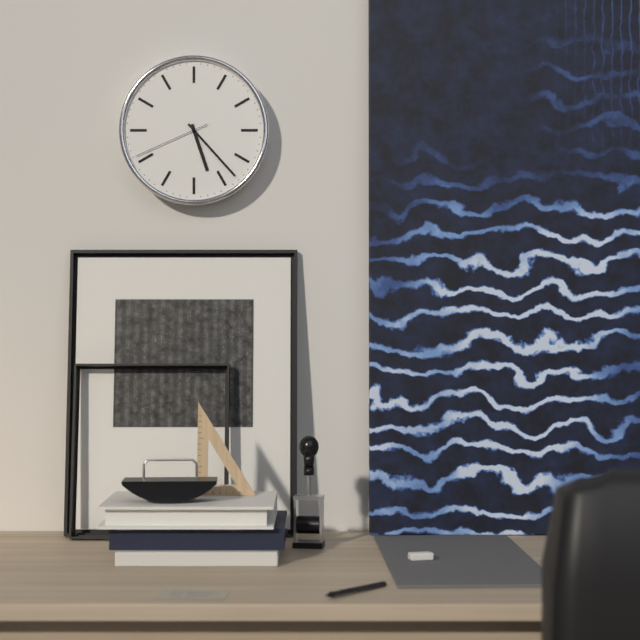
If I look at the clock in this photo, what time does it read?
5:23:41
